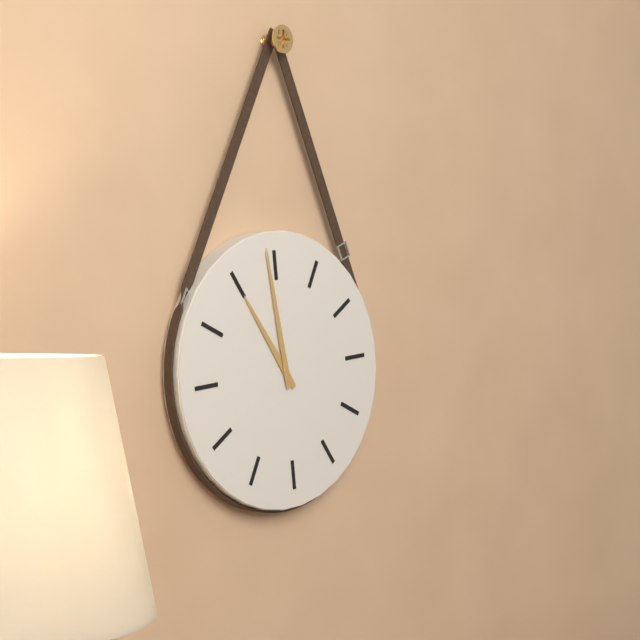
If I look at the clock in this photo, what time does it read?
10:59
